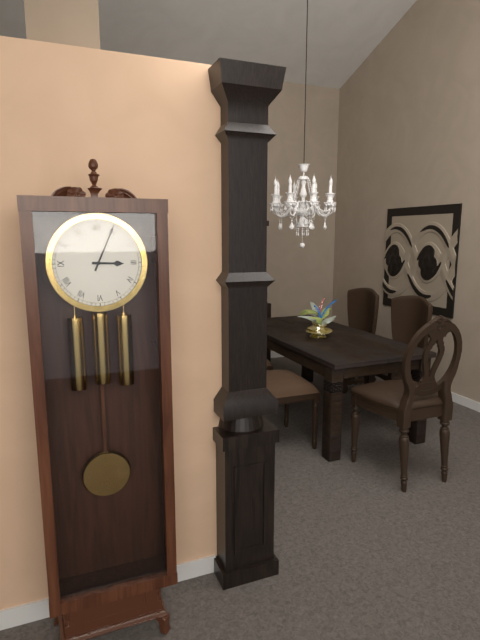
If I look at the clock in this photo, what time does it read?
3:04
